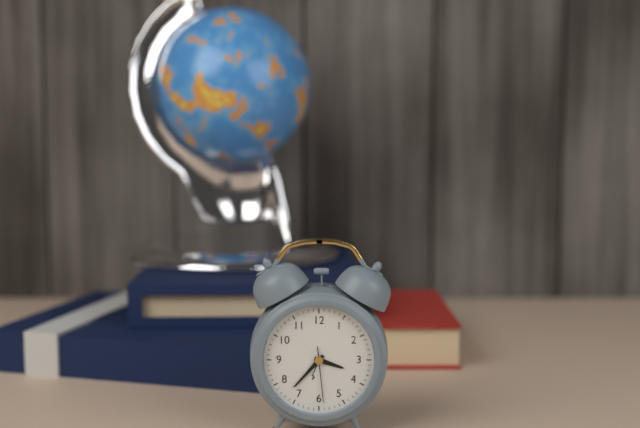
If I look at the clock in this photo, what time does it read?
3:37:29
